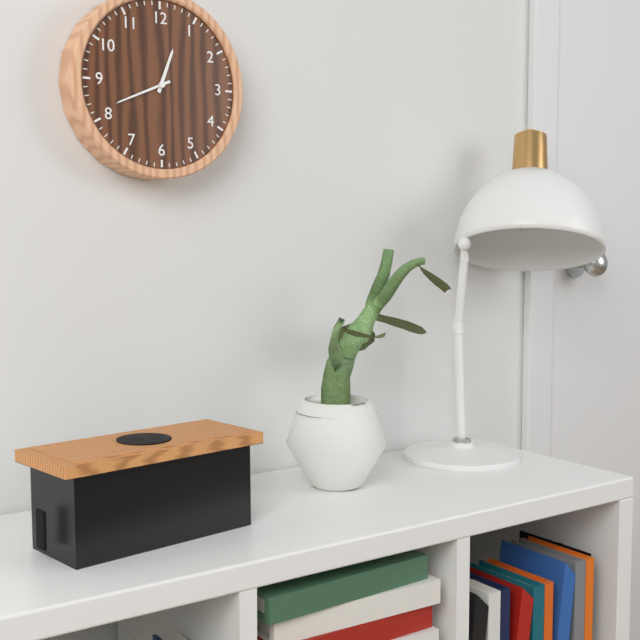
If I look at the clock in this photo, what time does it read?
12:41
